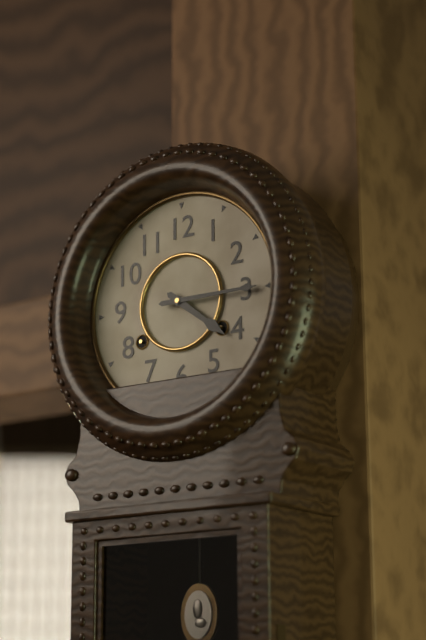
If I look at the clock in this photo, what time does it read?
4:15
